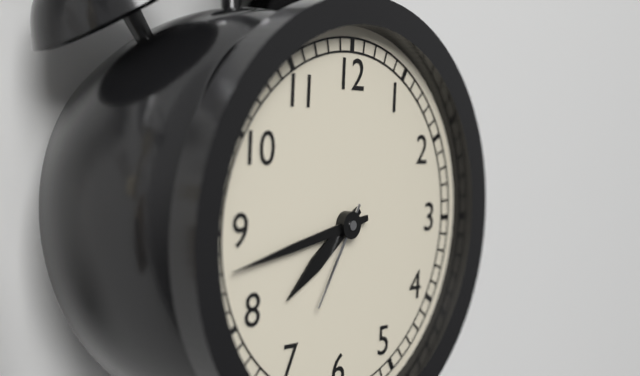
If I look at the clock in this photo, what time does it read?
7:43:35
